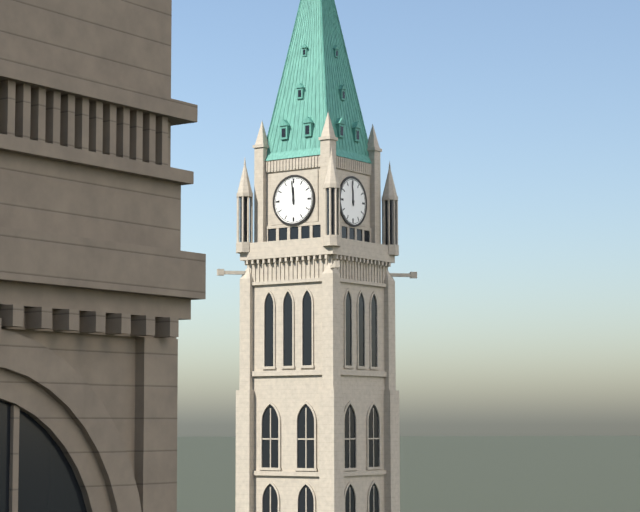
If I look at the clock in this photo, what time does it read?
11:59
